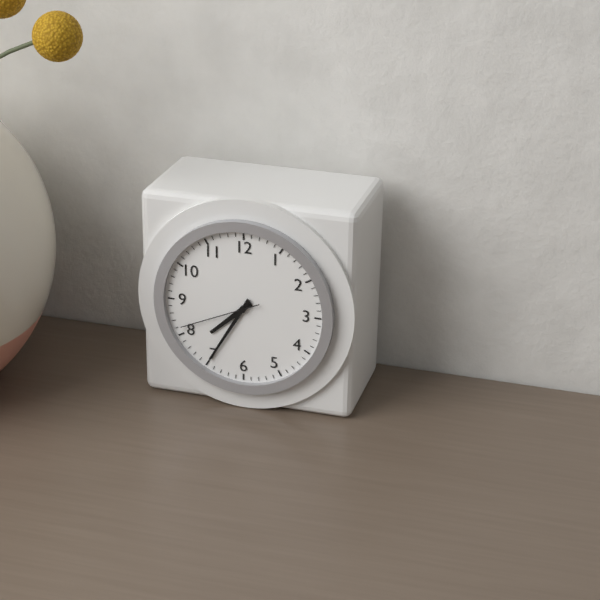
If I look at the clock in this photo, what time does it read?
7:35:41
